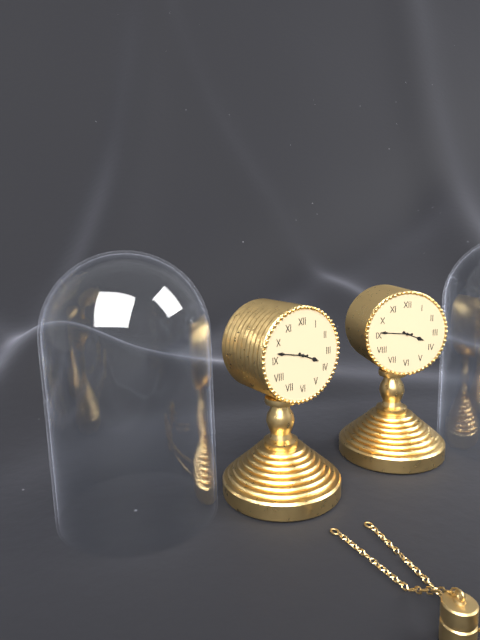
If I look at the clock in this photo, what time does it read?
3:47
